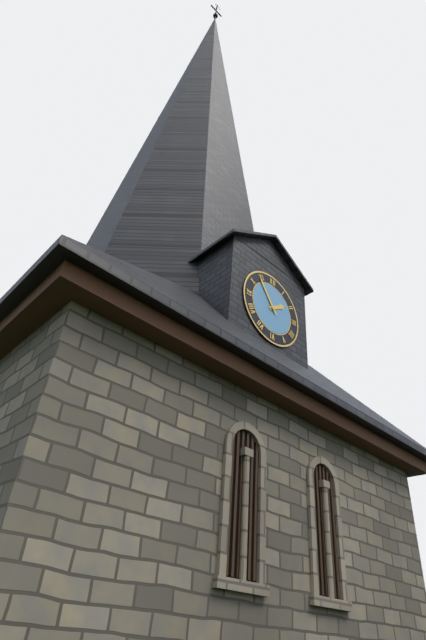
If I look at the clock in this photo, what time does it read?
1:54
